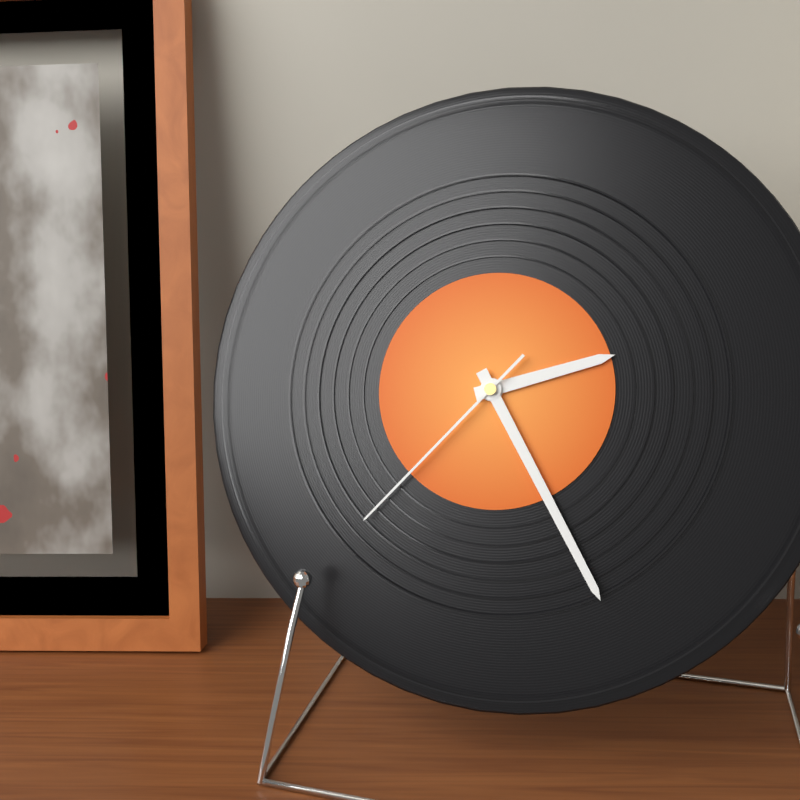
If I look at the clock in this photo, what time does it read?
2:25:37
